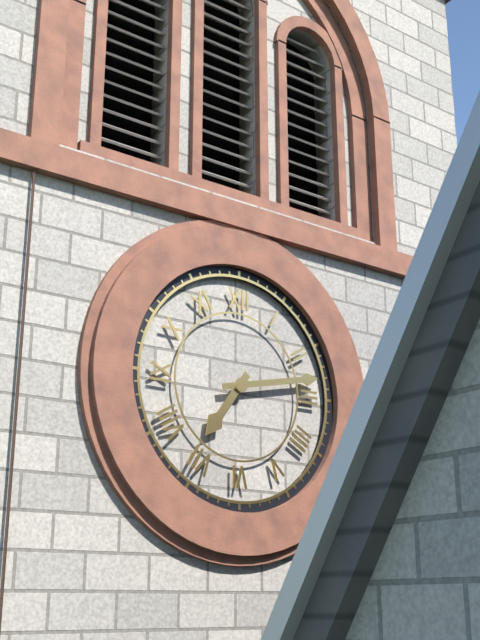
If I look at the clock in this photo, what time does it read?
7:13
